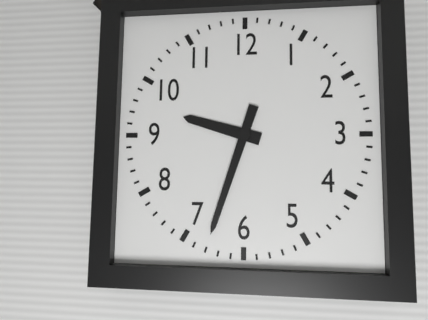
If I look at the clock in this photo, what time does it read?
9:33
